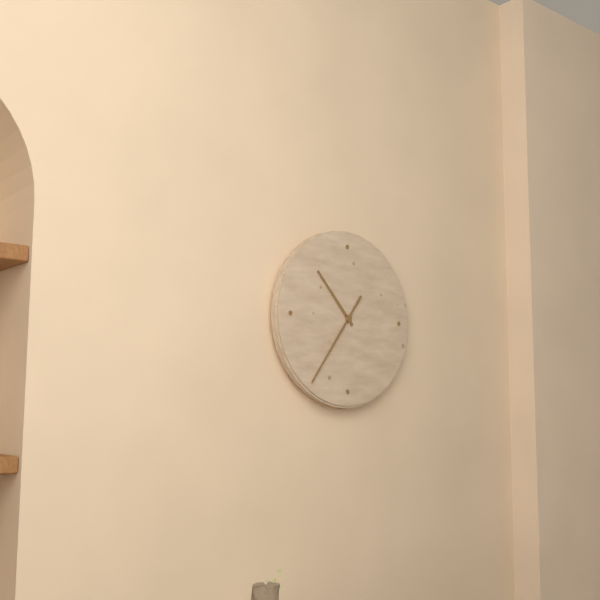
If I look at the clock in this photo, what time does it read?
10:36
